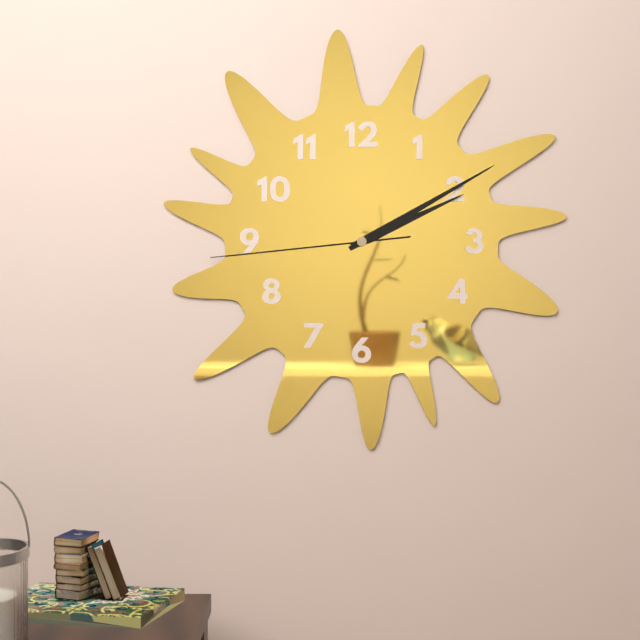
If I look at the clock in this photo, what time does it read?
2:10:44
